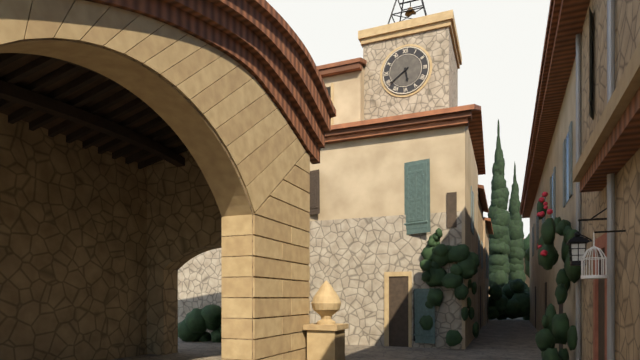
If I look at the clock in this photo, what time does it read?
5:39
